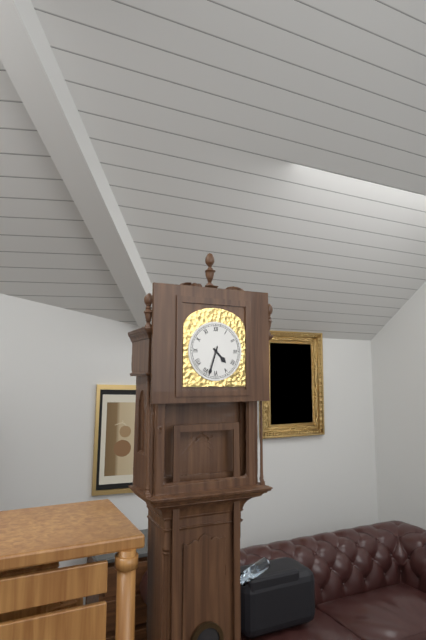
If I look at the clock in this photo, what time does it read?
4:33
